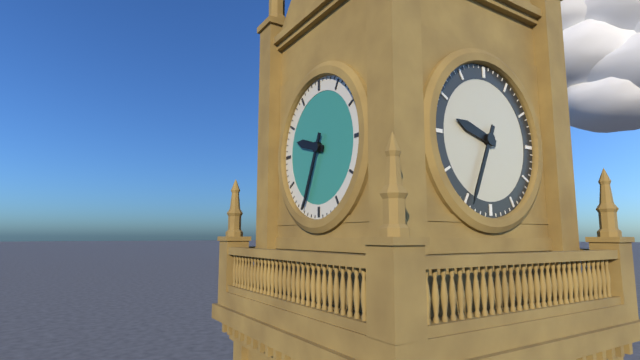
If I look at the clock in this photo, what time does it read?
9:34
